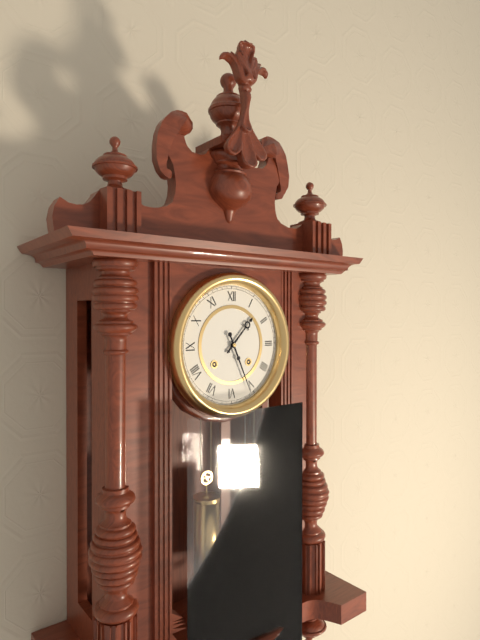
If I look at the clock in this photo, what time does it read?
1:26
